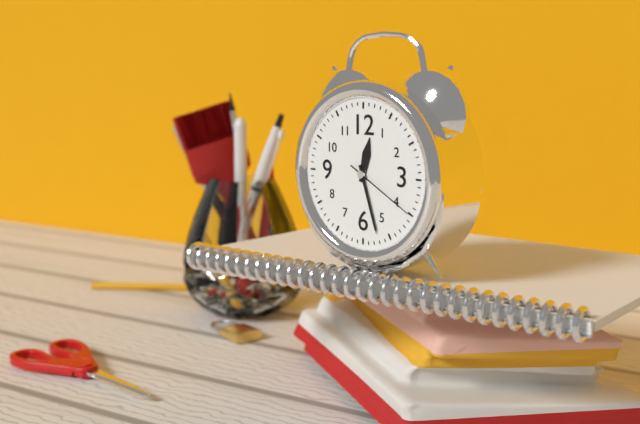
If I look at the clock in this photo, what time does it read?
12:27:20
